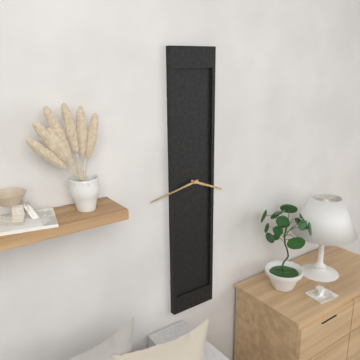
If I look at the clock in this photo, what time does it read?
3:43
